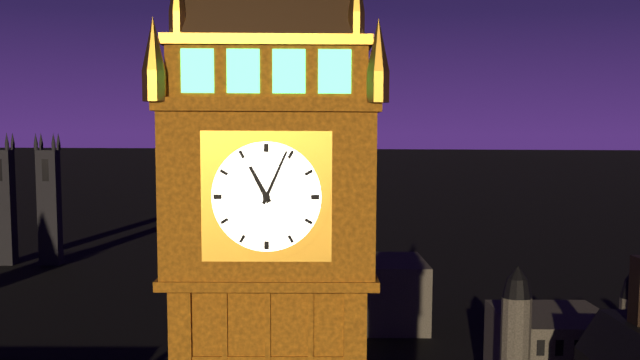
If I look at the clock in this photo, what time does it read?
11:04
